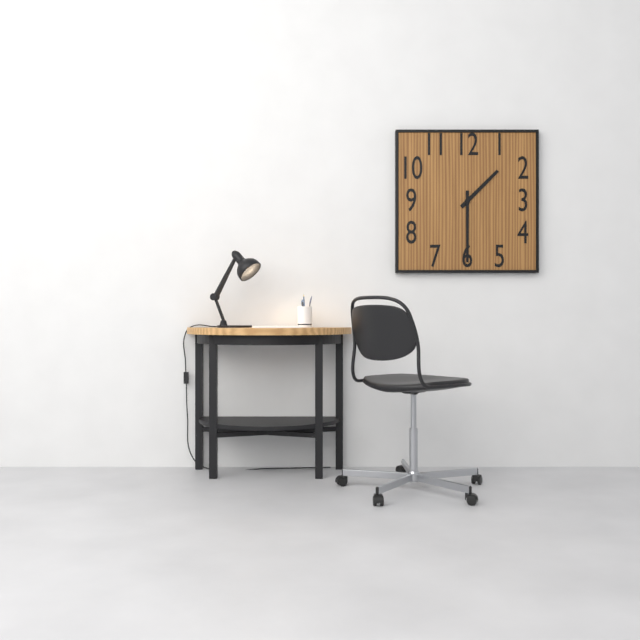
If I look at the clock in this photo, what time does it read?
1:30
